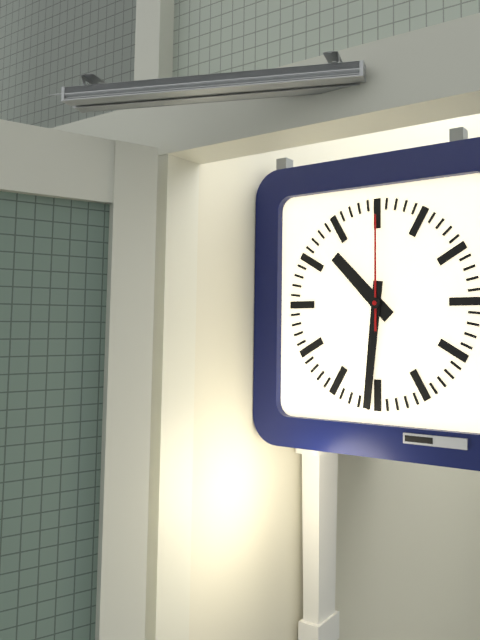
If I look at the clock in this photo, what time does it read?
10:31:00
